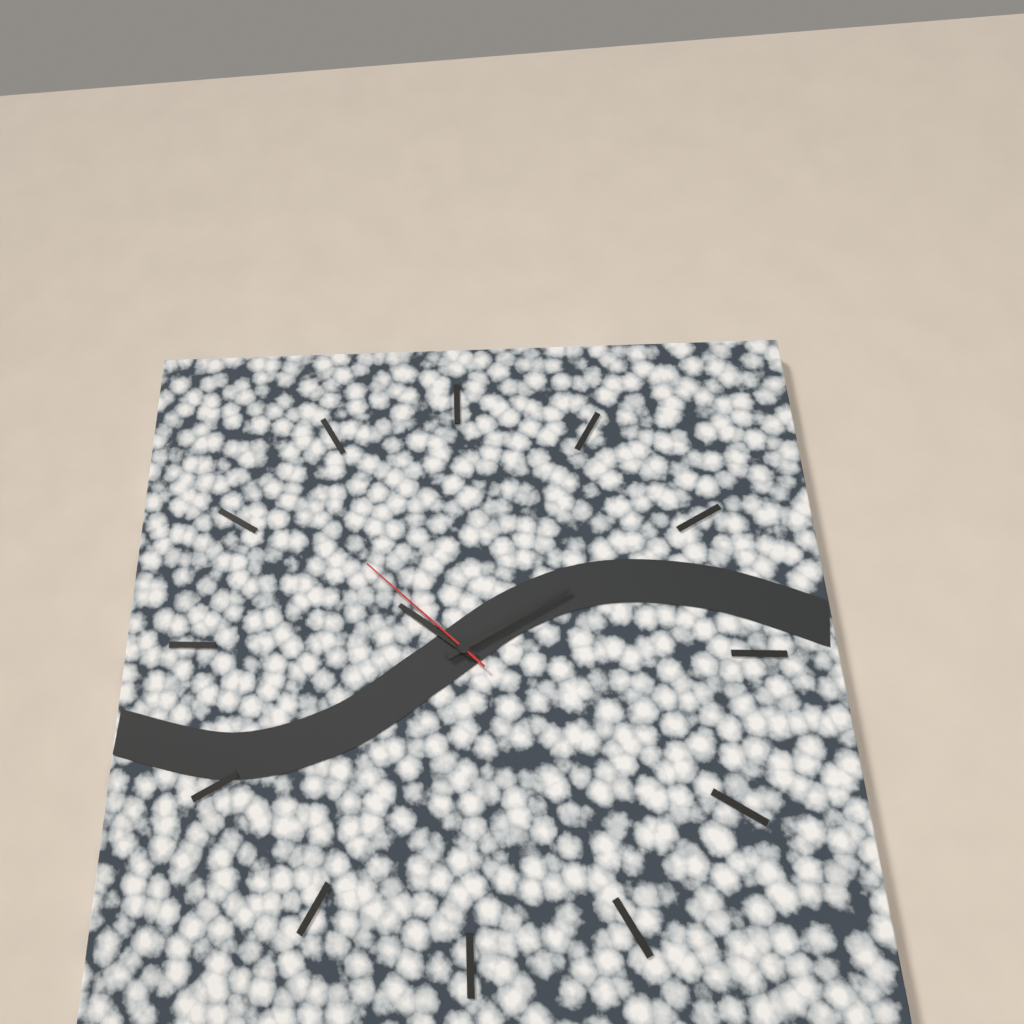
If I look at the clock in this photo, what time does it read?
10:10:52
